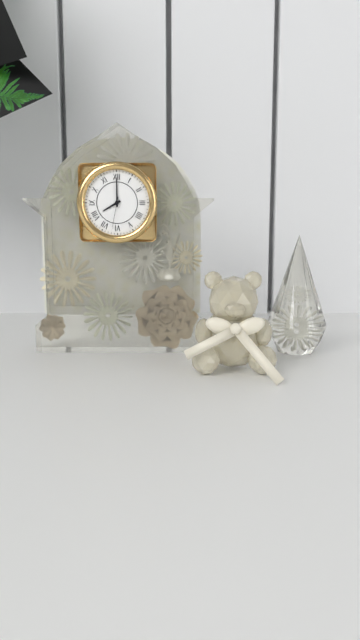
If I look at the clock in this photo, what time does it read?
8:00
